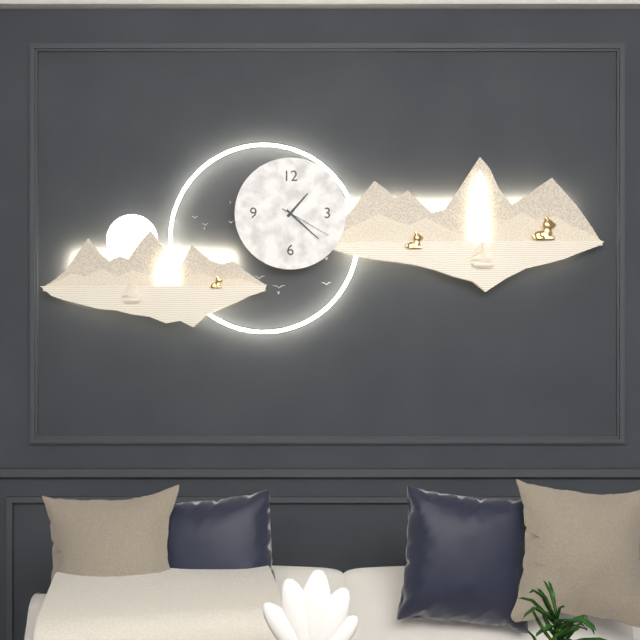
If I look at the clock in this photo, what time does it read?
1:22:20
